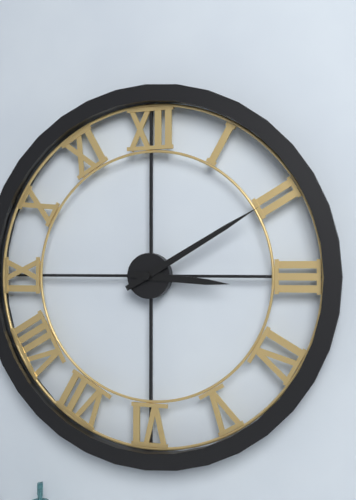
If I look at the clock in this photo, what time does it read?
3:10
